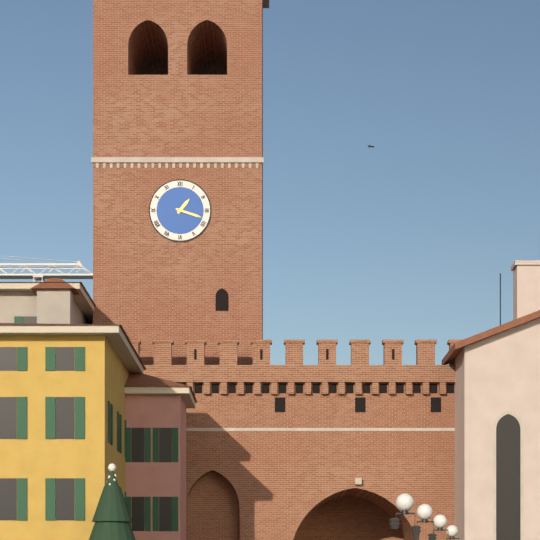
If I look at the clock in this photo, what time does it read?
1:18
